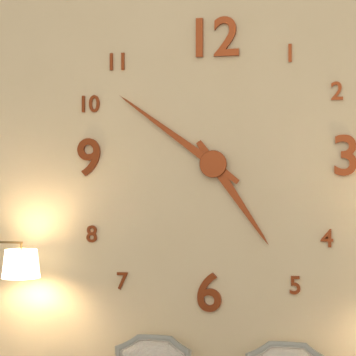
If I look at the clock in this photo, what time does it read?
4:51
